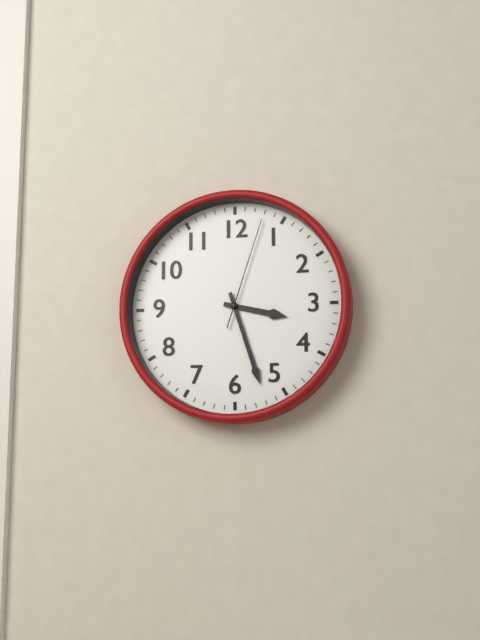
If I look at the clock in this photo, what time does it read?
3:27:03
